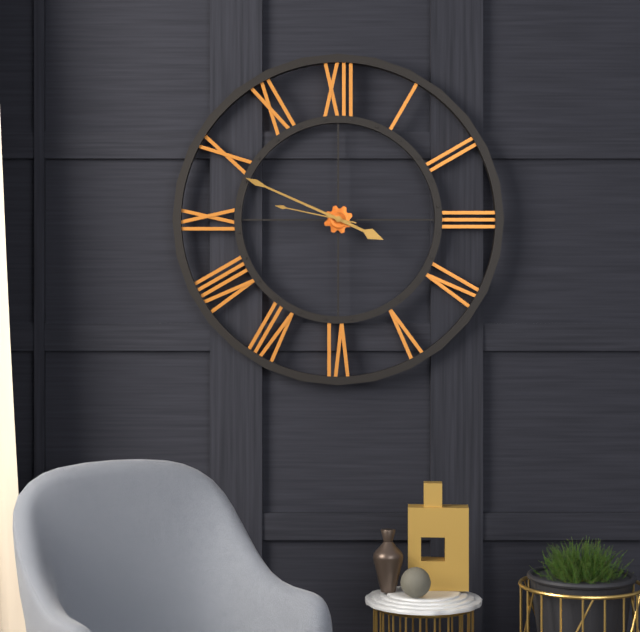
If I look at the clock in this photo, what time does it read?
3:49:47
